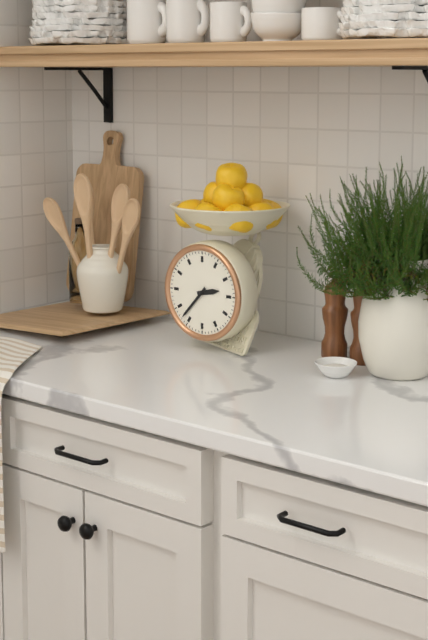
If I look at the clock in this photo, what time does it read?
2:37
